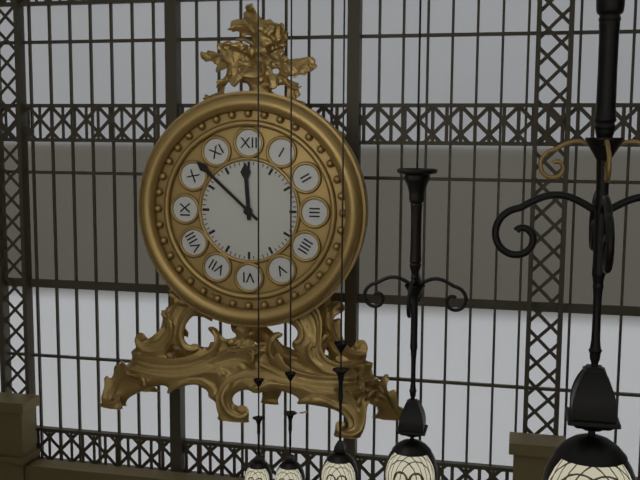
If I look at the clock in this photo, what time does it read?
11:52
